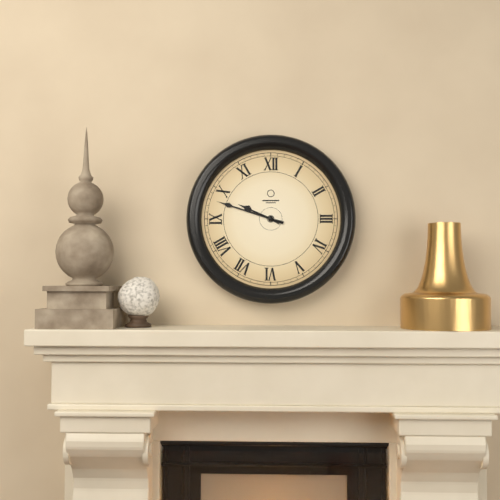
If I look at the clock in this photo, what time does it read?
9:48
